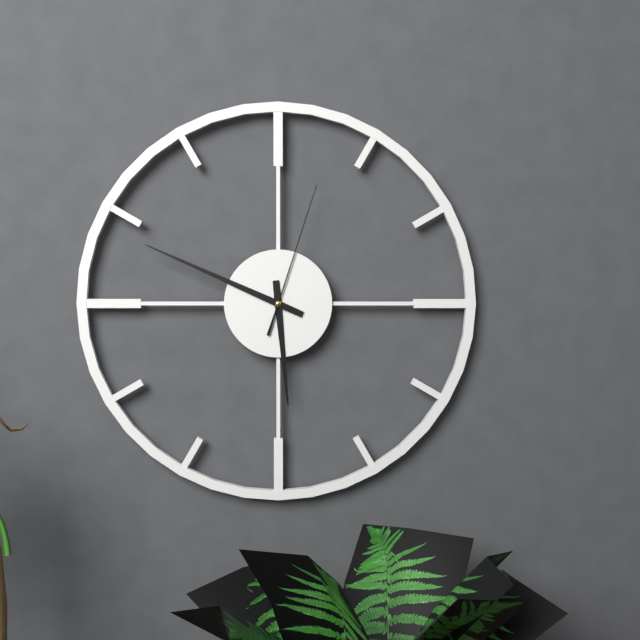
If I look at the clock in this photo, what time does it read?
5:49:03
